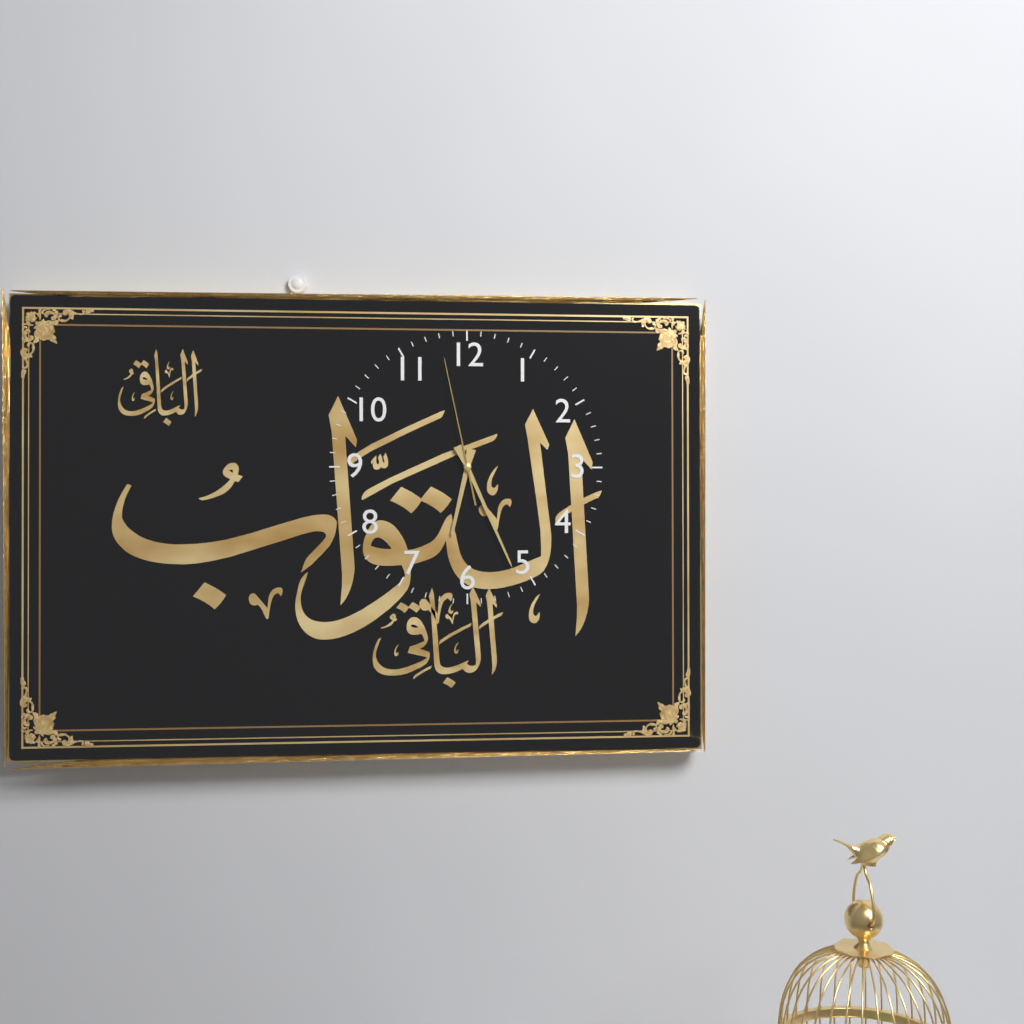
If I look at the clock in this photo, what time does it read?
6:26:58
